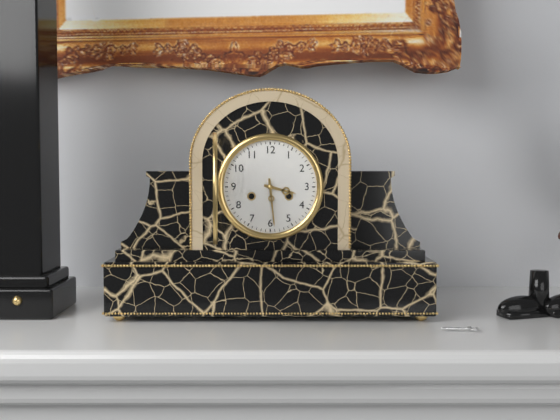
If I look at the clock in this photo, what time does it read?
3:29
